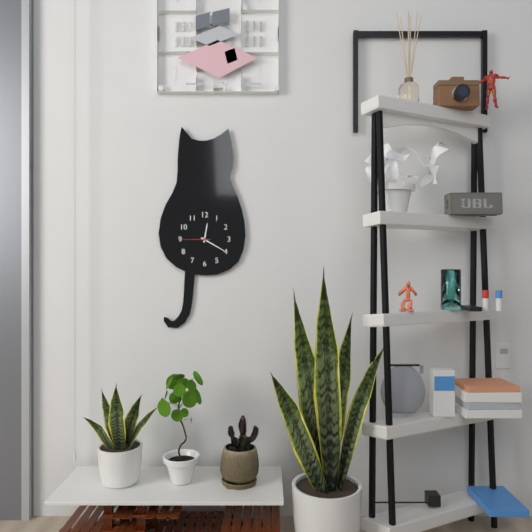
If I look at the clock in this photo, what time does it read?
12:20
